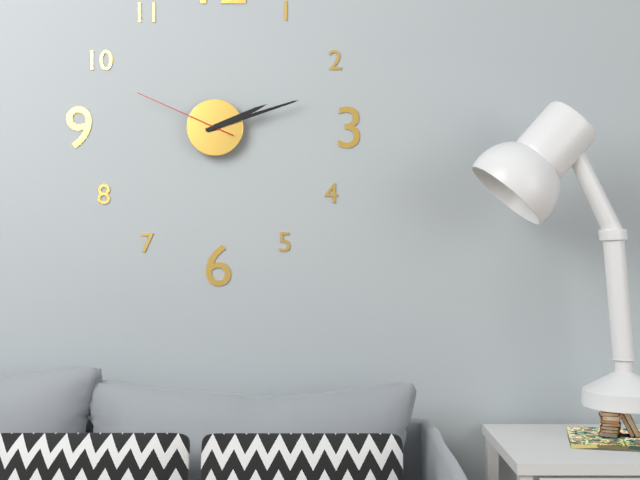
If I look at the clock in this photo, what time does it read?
2:12:49
